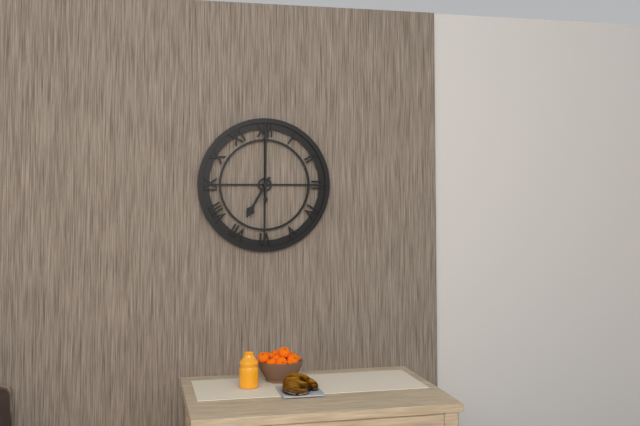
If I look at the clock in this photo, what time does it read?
7:00
